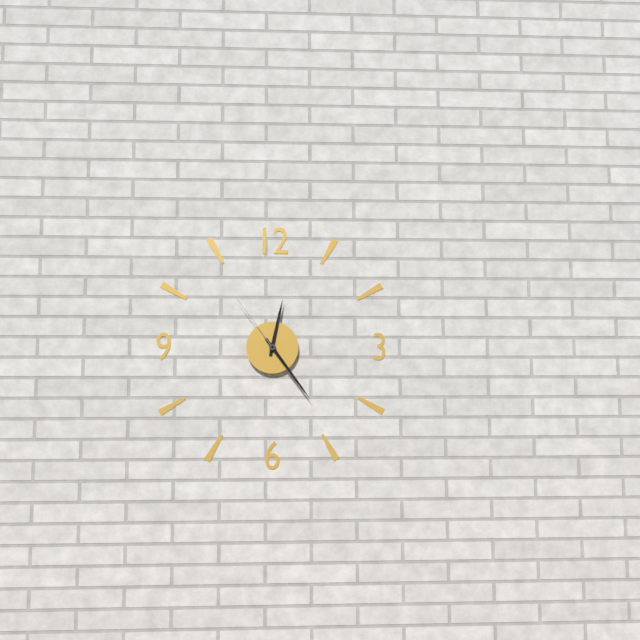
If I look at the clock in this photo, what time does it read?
12:24:54
